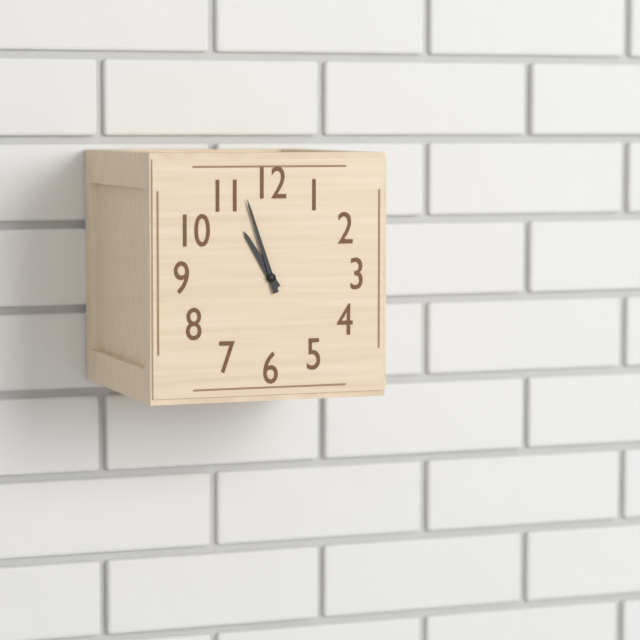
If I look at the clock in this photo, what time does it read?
10:57
